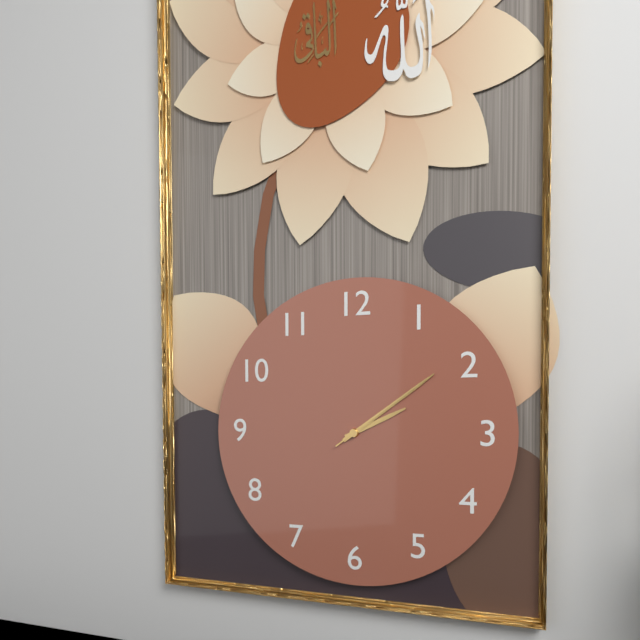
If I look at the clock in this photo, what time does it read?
2:09:09
